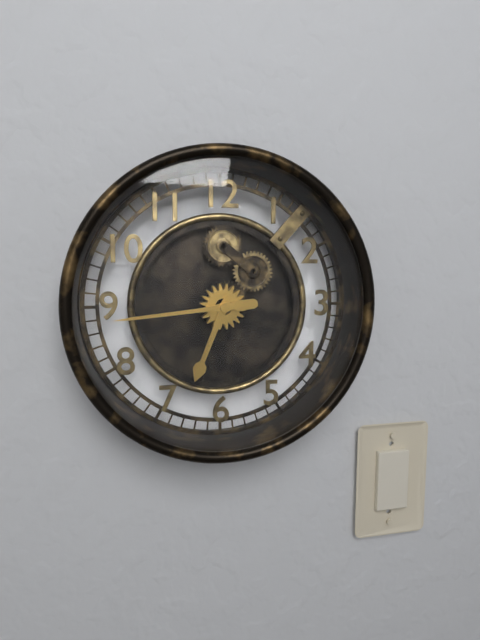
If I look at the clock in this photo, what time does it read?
6:44
